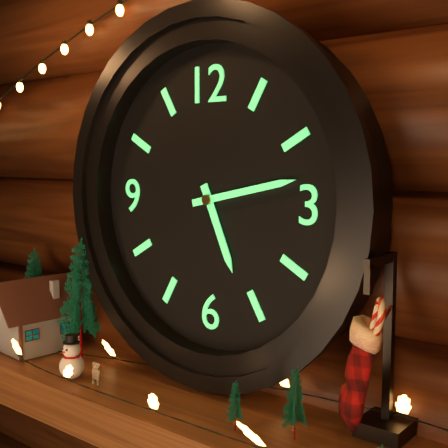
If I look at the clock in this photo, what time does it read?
5:13
